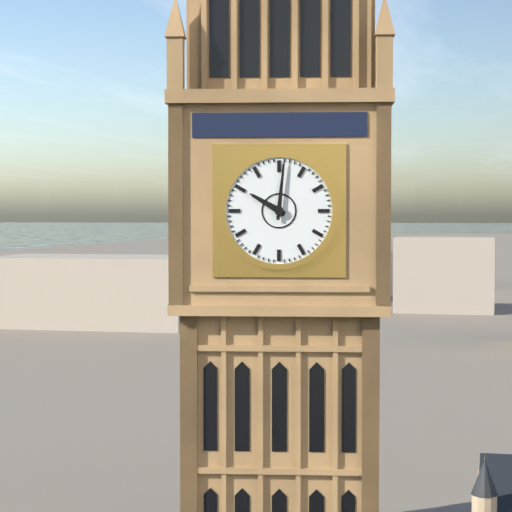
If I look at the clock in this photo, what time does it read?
10:01
